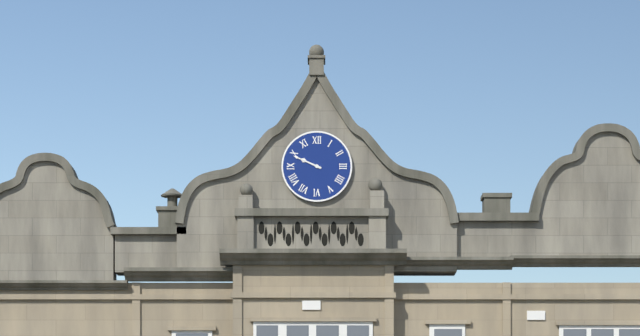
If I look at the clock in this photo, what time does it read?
9:49
